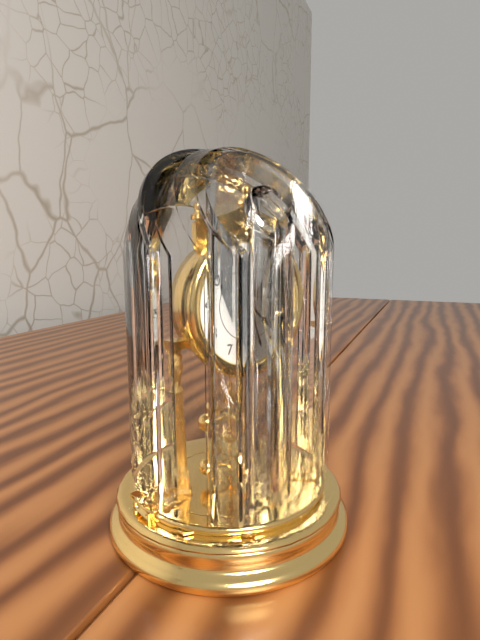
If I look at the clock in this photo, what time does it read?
4:27
